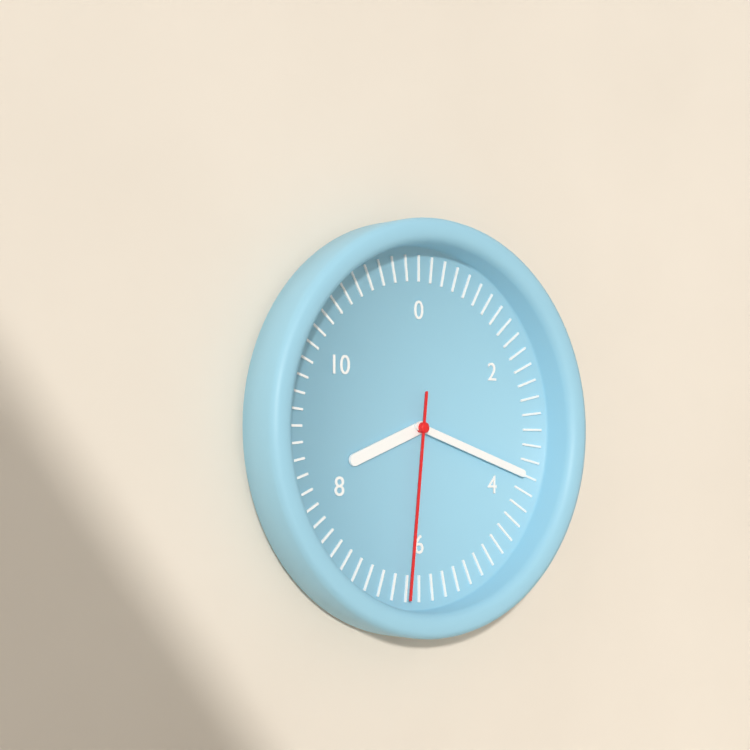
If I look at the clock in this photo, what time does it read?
8:18:31
